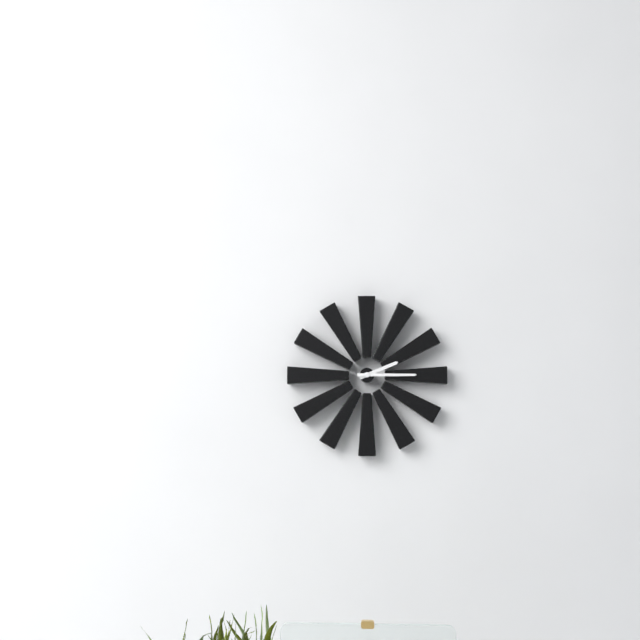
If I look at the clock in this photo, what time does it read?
2:15
